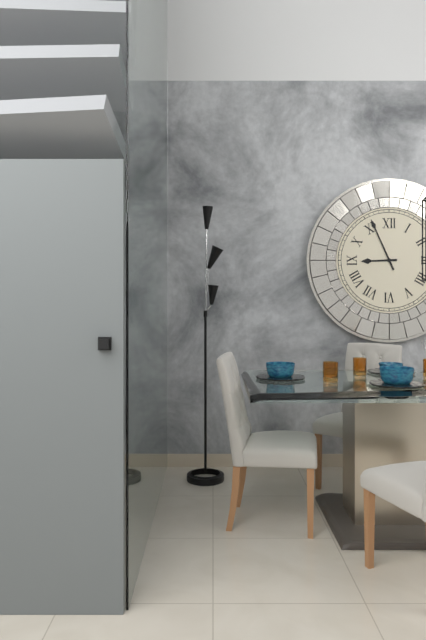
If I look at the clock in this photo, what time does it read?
8:56
